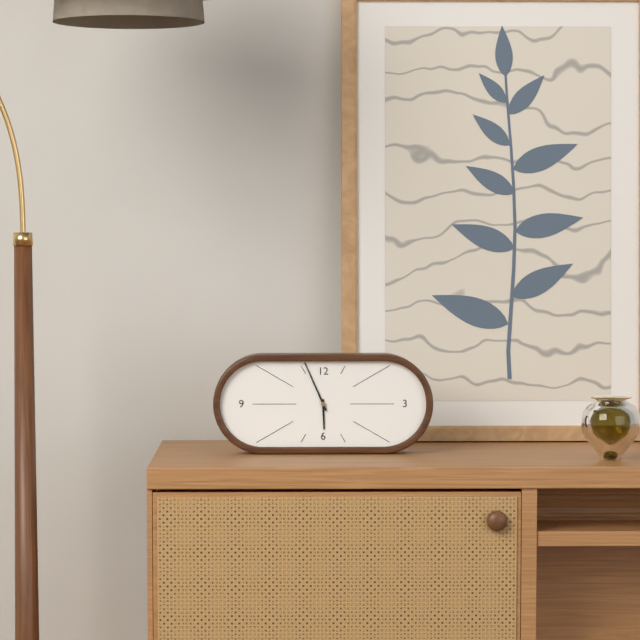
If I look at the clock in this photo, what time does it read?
5:56
